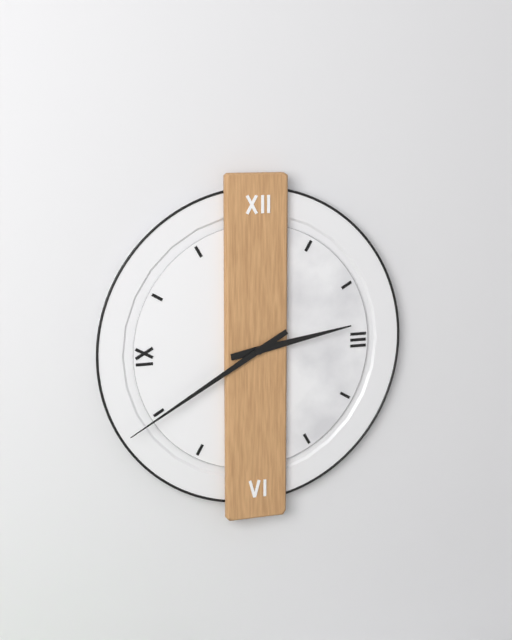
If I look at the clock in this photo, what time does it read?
2:40
